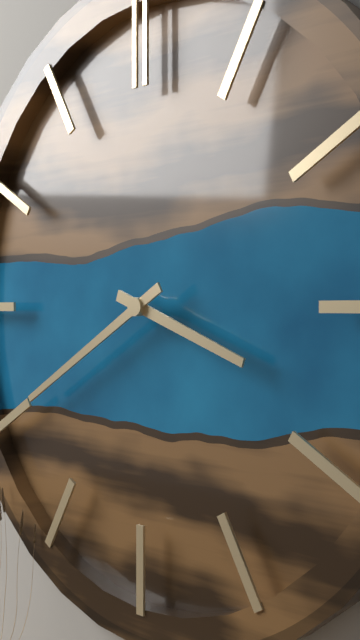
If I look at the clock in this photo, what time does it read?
3:40
